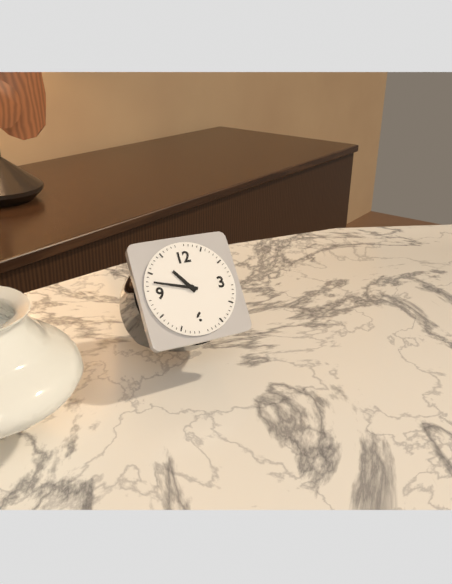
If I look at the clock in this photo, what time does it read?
10:48
